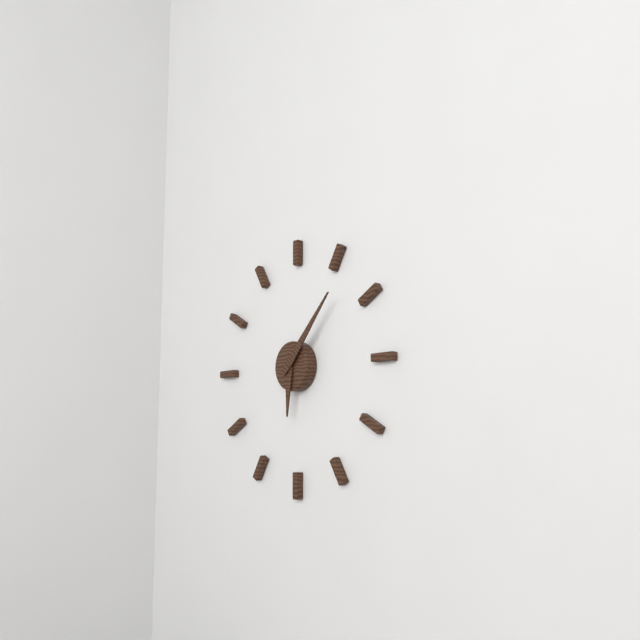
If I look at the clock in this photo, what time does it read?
6:07
